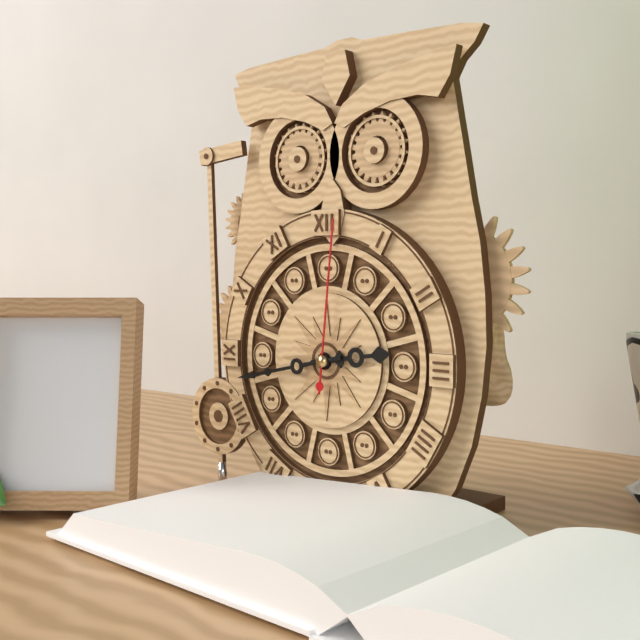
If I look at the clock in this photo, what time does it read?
2:43:01
